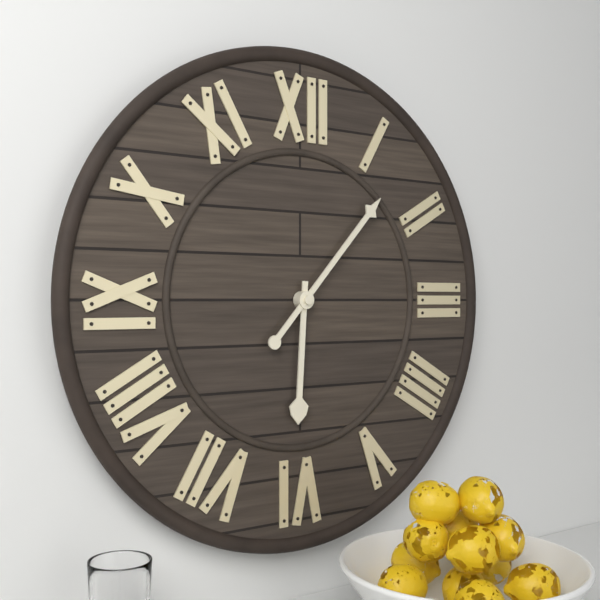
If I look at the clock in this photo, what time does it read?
6:07
